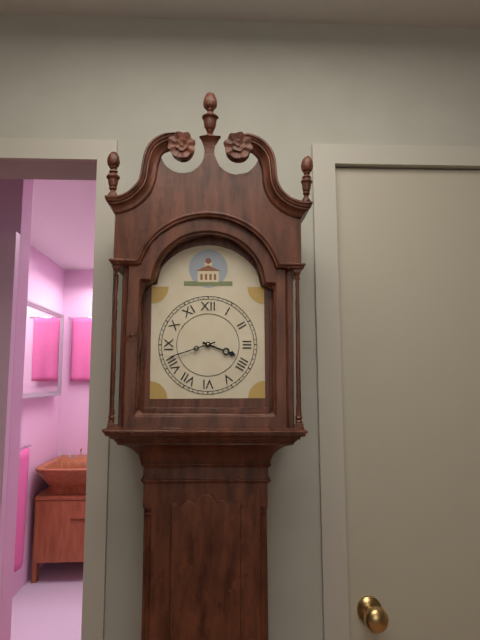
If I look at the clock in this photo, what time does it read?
3:42
